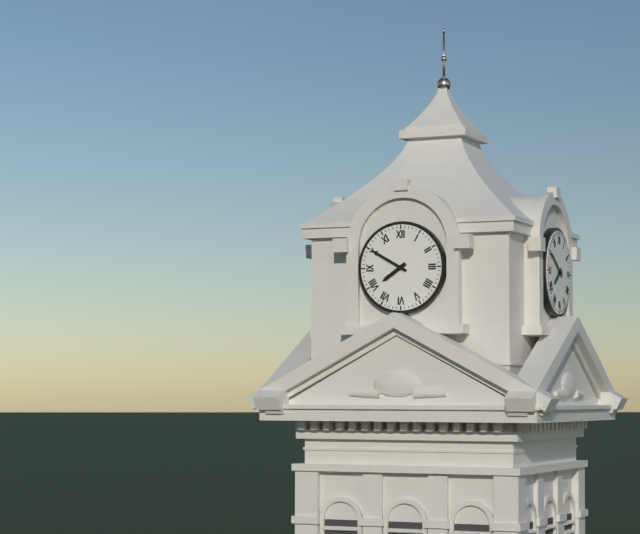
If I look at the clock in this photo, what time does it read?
7:50
